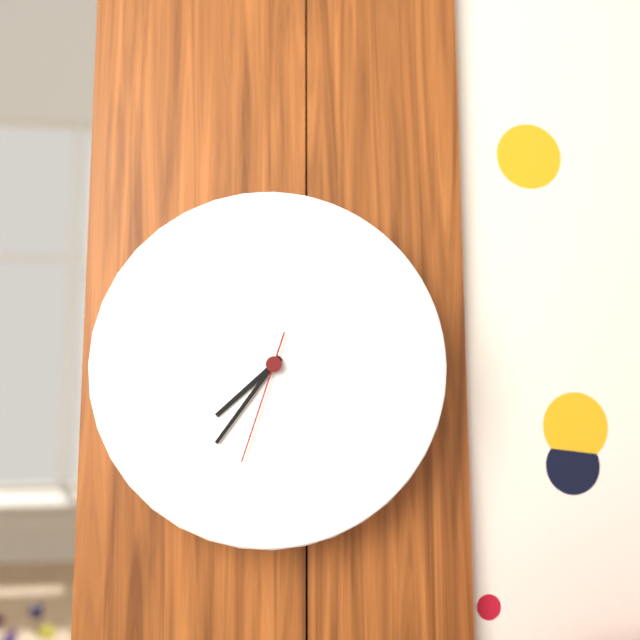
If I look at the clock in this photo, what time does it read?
7:36:33
